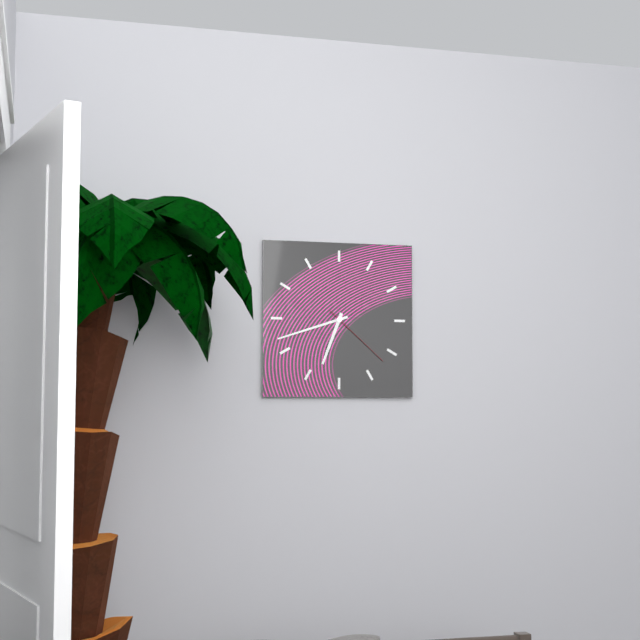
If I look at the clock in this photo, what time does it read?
6:42:22
